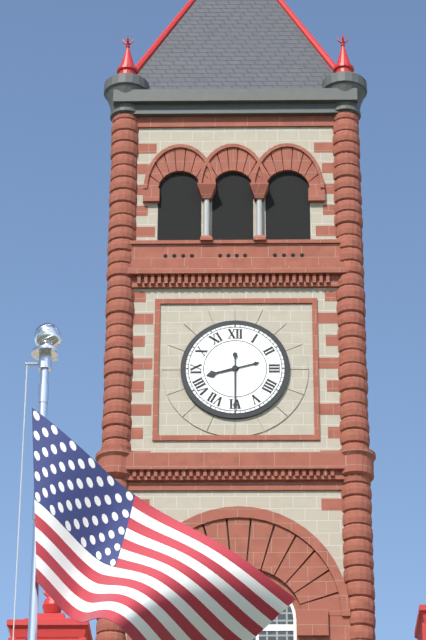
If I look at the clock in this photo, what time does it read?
8:30
